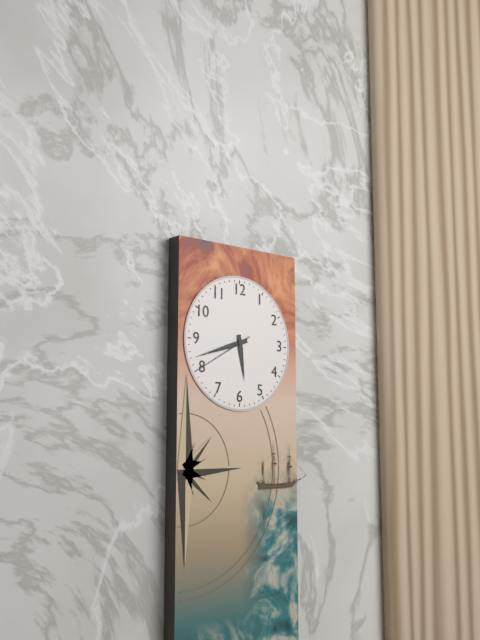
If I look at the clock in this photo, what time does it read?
5:42:40
